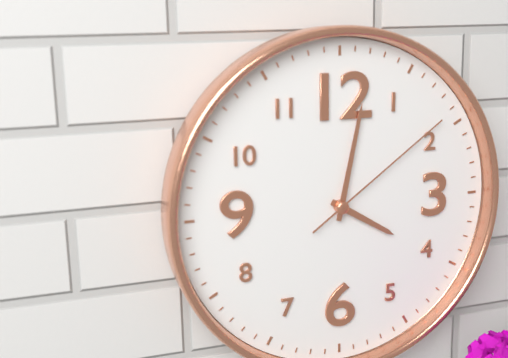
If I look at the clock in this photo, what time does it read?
4:02:09
